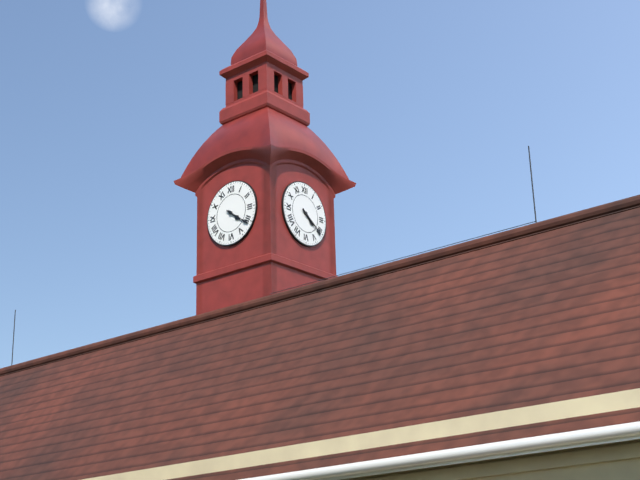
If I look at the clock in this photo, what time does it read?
4:21
